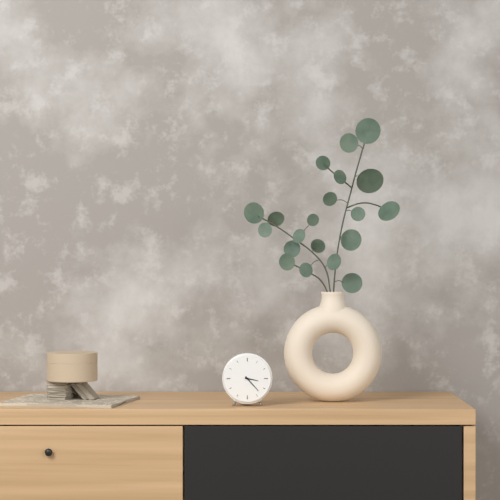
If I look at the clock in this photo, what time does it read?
3:23
